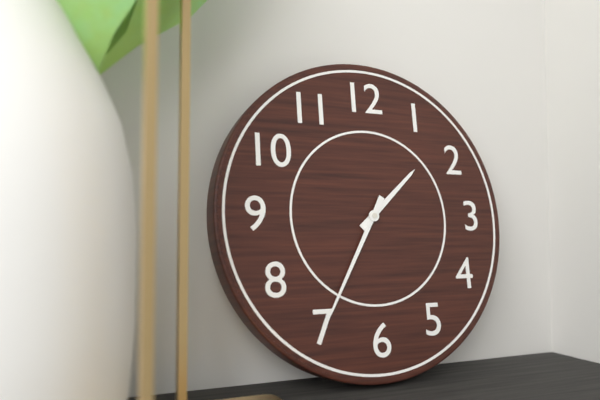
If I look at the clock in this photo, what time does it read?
1:35
